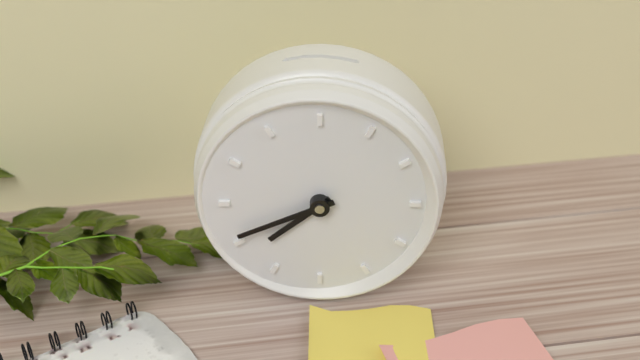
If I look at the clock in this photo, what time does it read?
7:41
